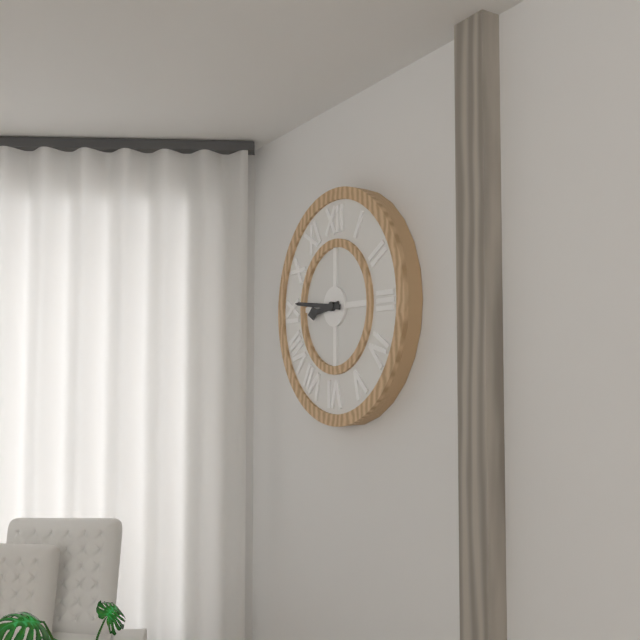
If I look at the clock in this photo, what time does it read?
8:46
